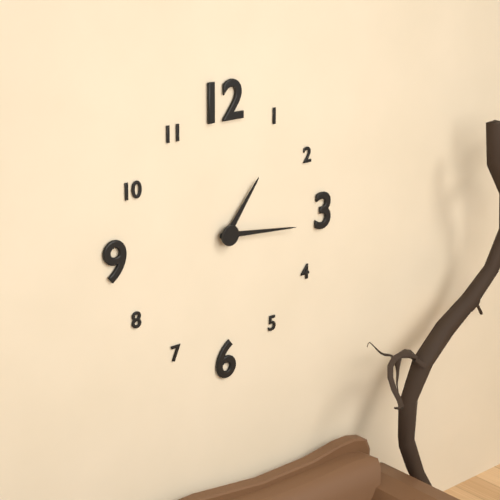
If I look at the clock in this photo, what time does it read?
1:16
